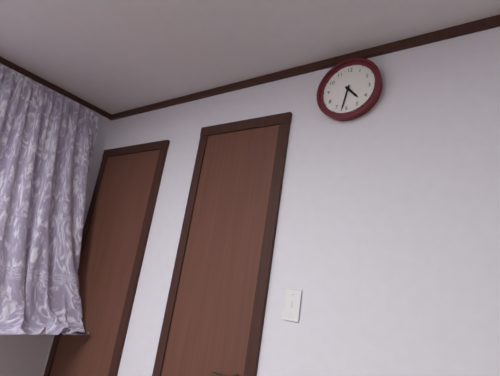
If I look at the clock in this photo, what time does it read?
4:32
